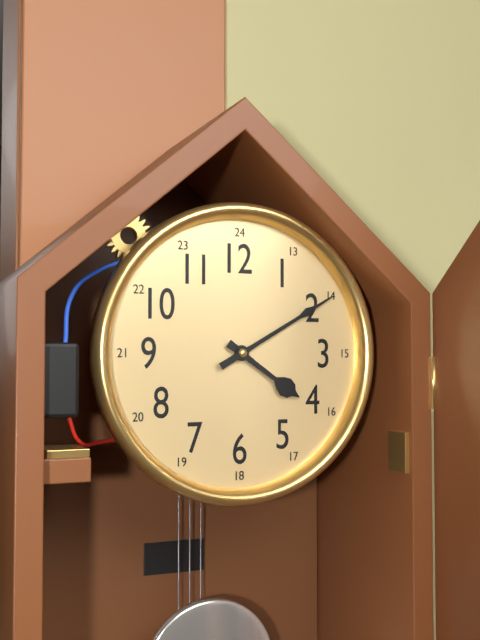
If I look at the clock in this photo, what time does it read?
4:10
